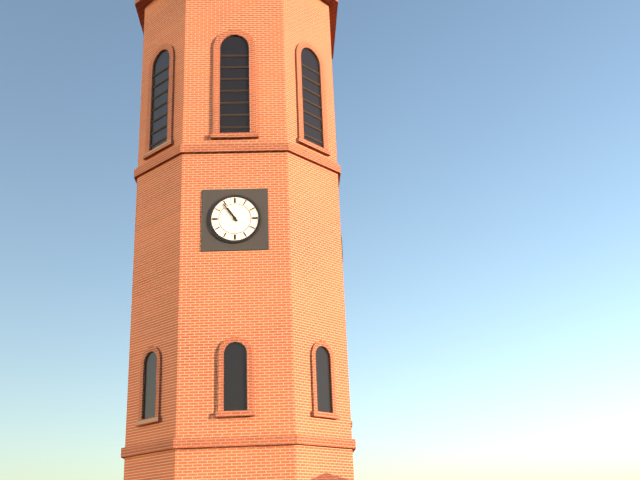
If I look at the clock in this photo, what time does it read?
10:54
